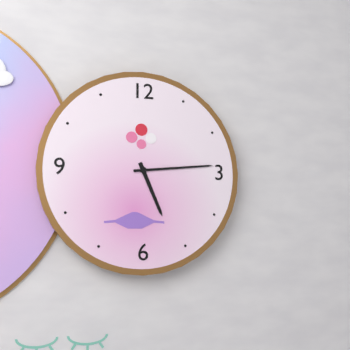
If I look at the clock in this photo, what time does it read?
5:14
